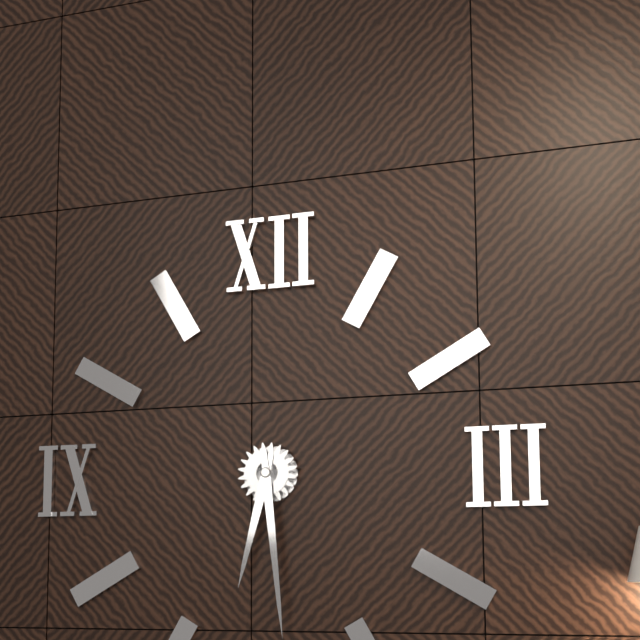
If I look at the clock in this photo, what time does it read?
6:29
